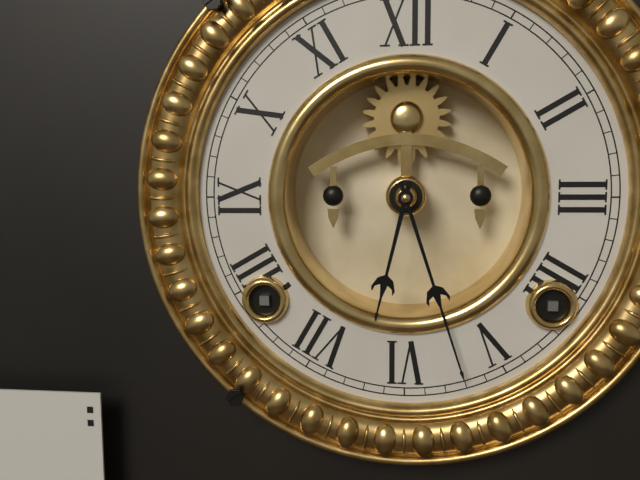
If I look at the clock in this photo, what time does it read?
6:27
